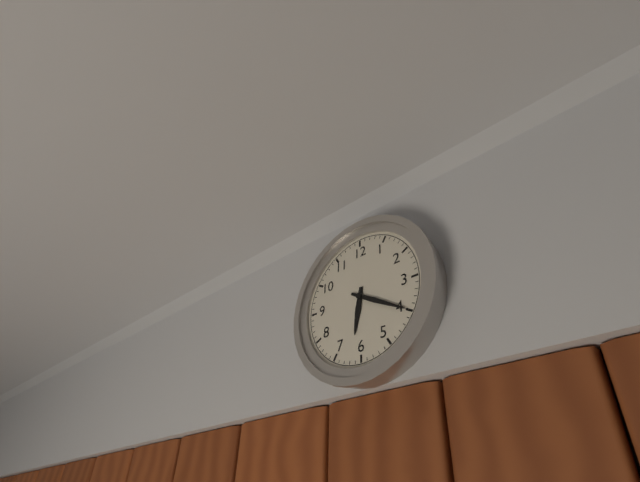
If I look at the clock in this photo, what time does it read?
6:20
